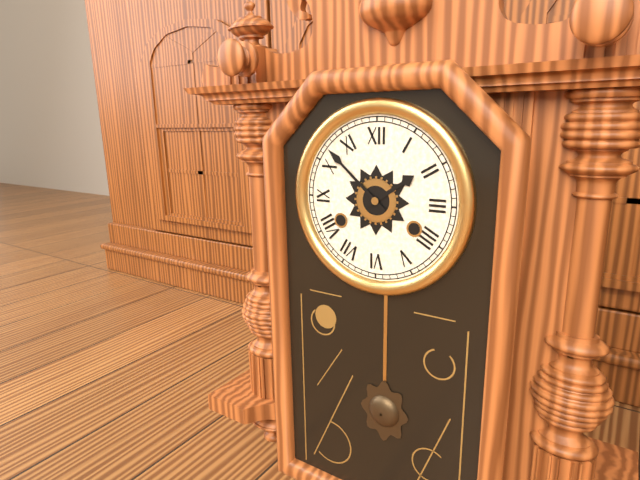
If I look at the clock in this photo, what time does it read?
1:52
